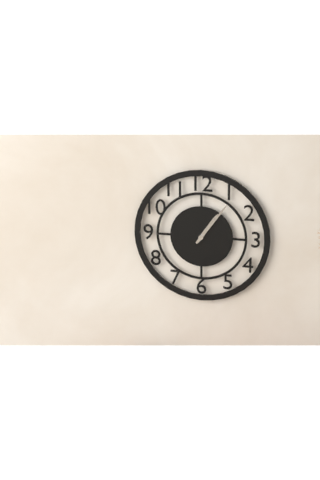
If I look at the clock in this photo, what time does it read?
1:06
